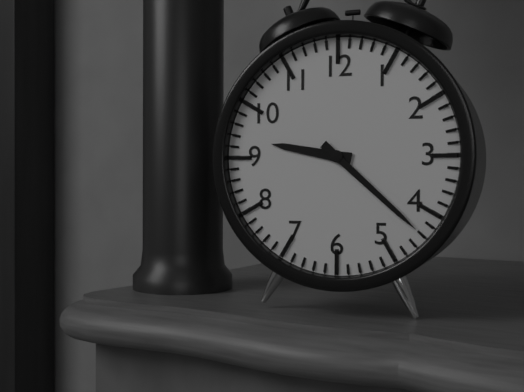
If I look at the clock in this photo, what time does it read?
9:22
